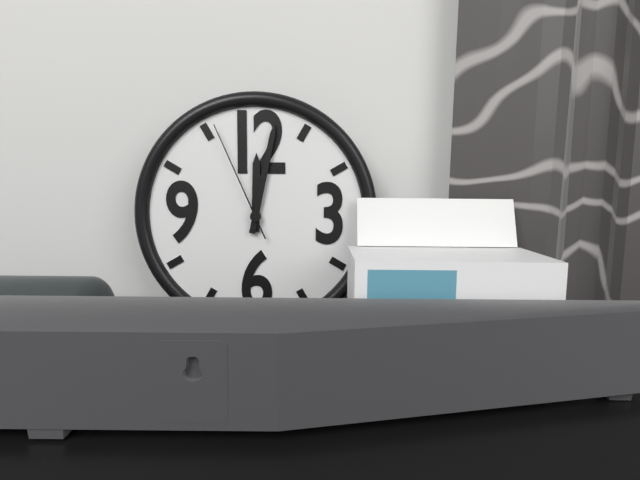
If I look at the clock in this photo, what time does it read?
12:02:56
